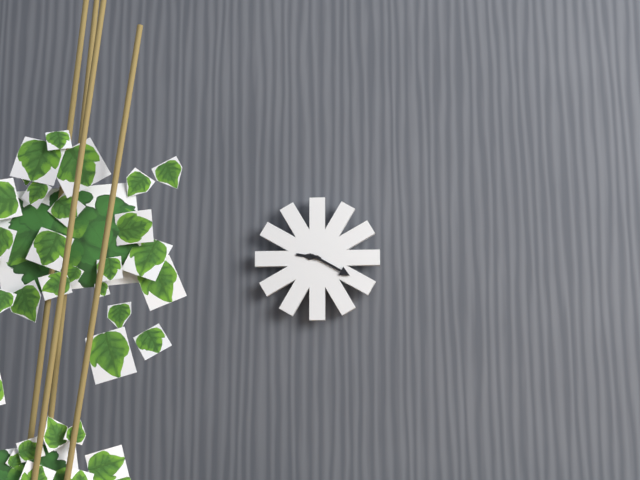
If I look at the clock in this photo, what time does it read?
9:20
